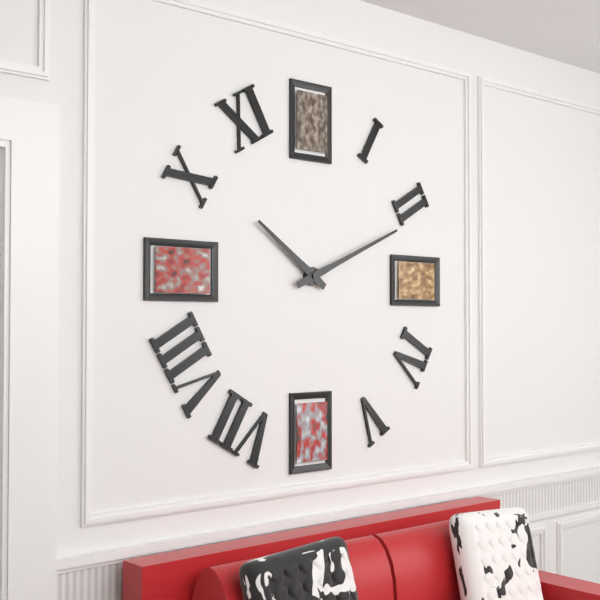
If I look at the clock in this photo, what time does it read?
10:11
